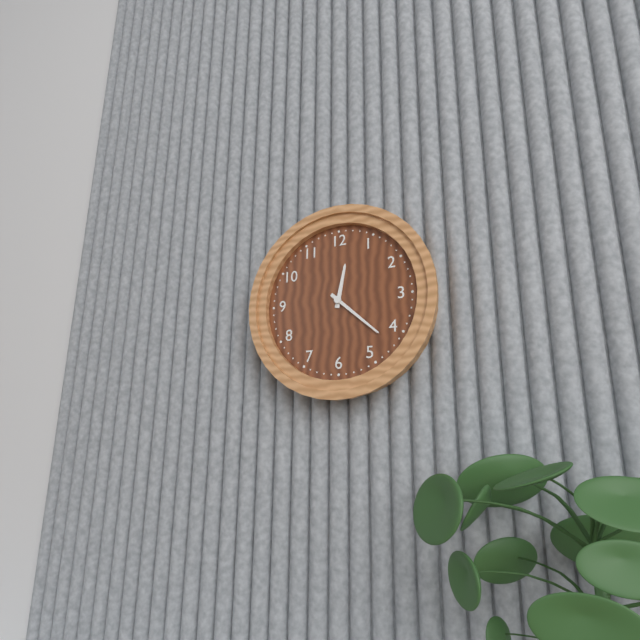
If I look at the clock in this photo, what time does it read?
12:22
